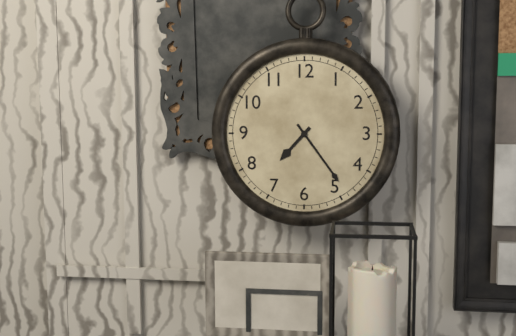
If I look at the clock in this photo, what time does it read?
7:24
